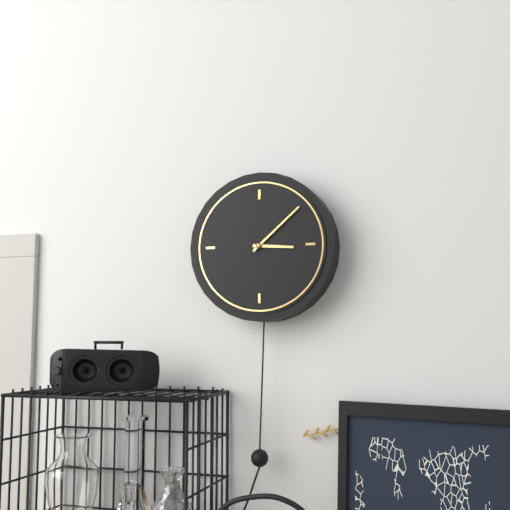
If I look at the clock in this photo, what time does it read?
3:08
